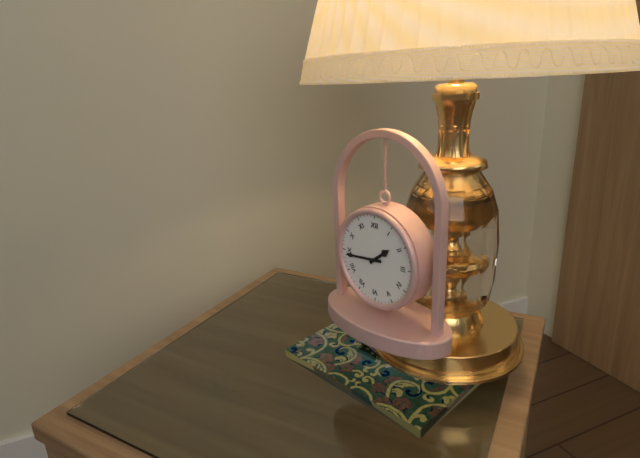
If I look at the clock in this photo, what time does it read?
1:44
